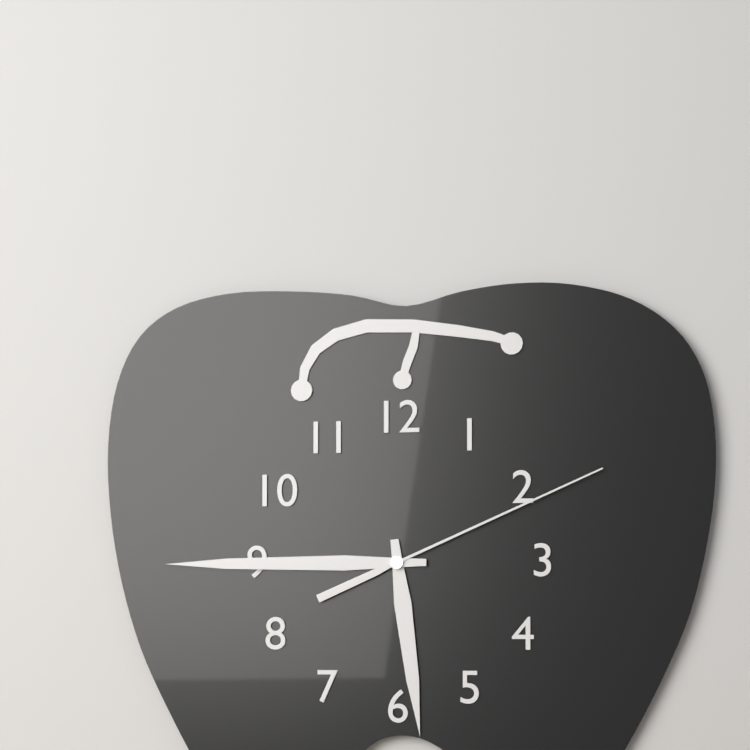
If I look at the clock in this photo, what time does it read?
5:45:11
